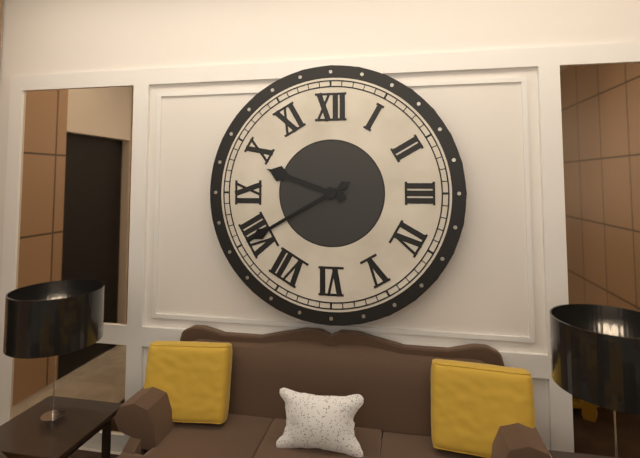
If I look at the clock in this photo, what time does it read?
9:40
